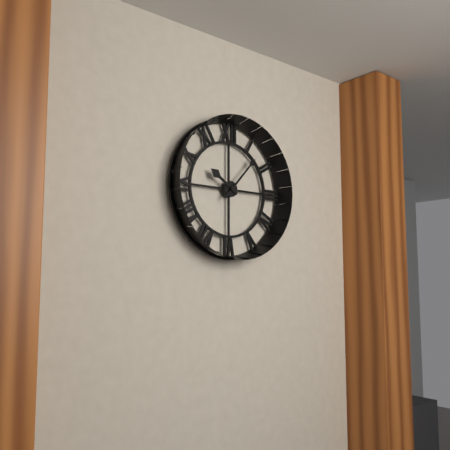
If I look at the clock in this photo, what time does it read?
10:07
